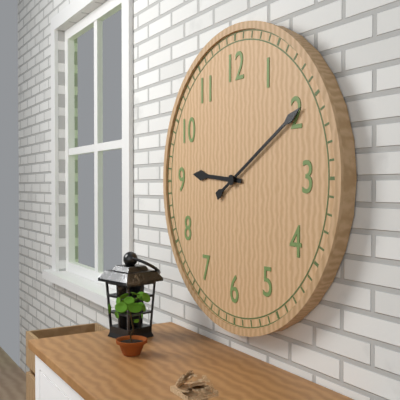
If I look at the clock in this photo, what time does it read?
9:10
